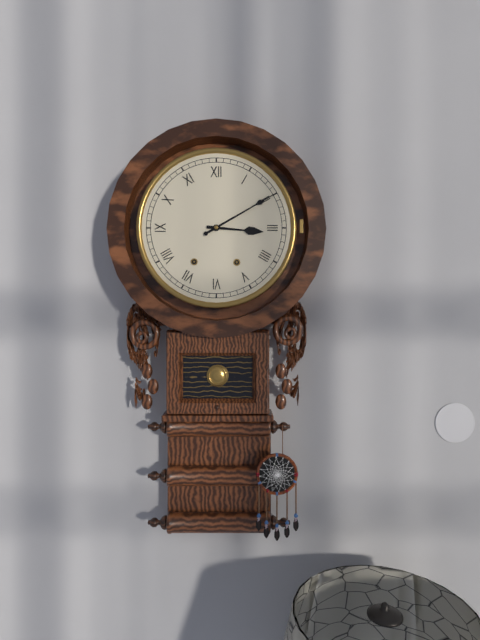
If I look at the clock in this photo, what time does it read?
3:10
